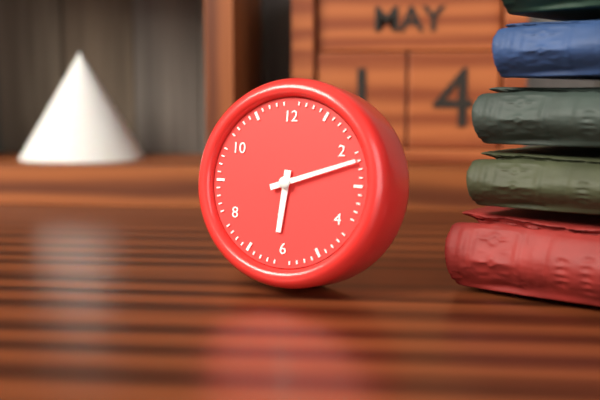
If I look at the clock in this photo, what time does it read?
6:12
